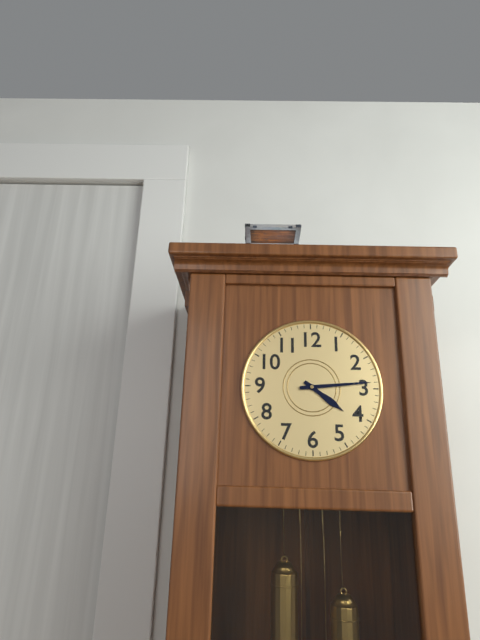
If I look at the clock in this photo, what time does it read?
4:14
